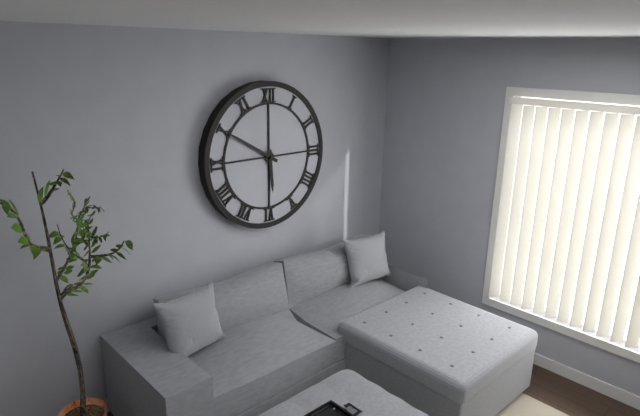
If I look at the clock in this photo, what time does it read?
5:50
